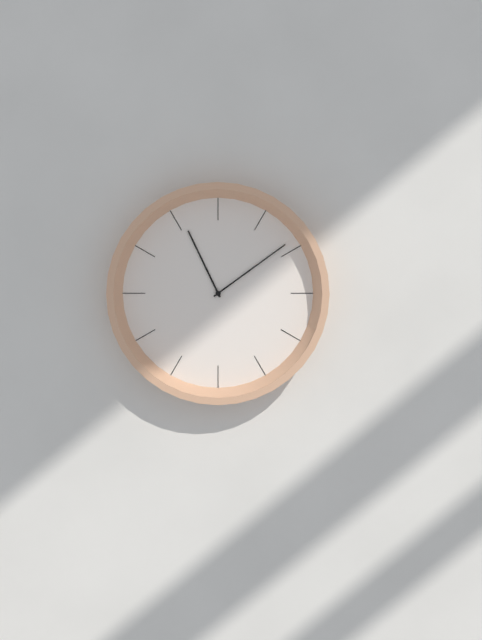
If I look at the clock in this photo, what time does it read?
11:09
